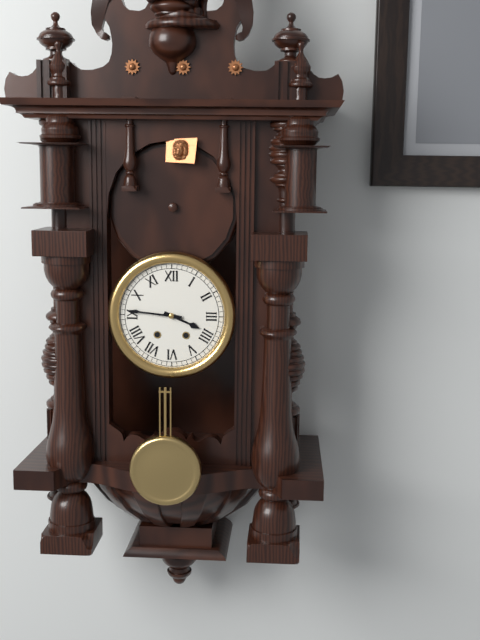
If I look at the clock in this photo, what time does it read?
3:46
